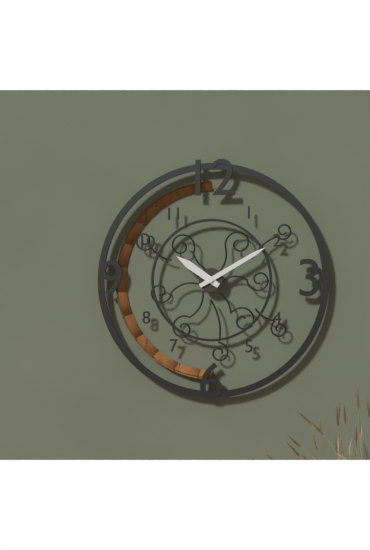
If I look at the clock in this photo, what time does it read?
10:10
